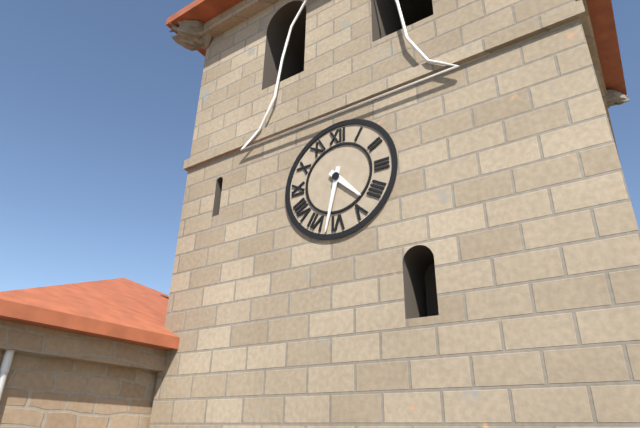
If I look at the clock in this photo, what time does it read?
4:32
